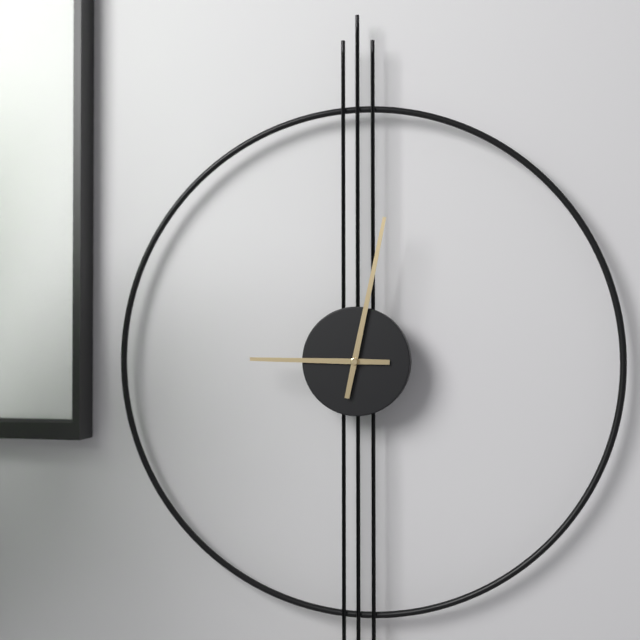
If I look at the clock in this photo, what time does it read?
9:02
